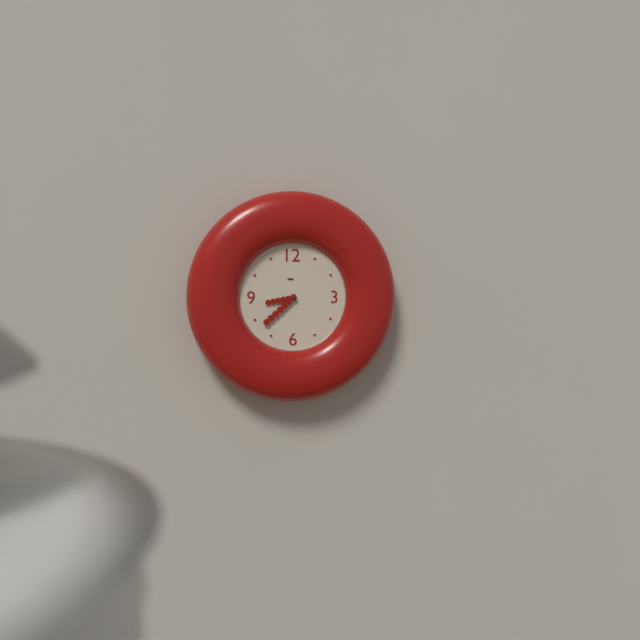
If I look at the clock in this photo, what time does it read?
8:38
